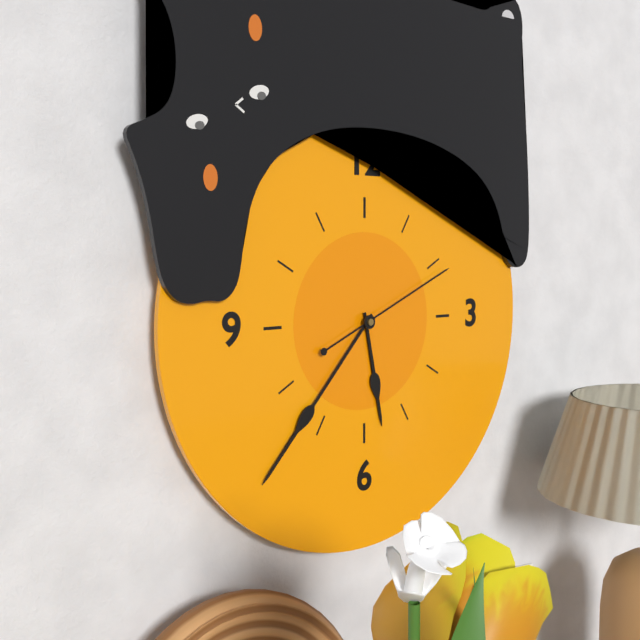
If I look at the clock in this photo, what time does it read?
5:37:11
